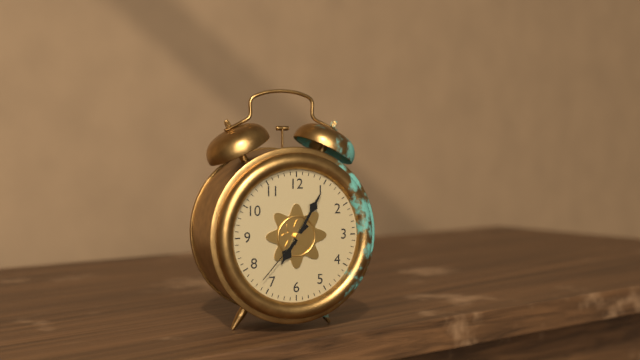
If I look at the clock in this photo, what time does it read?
7:05:37
